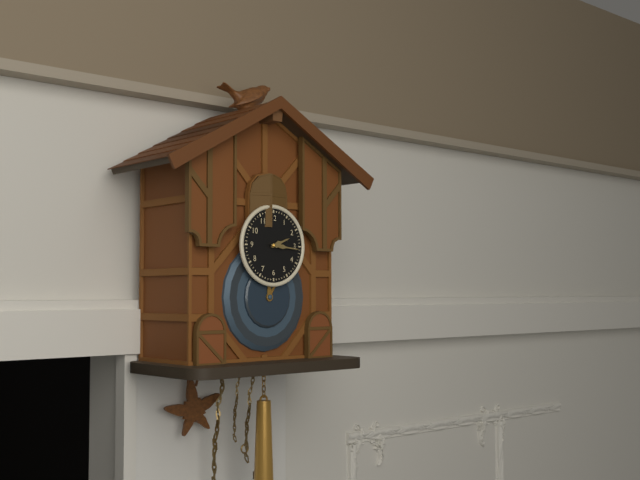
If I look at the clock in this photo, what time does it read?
2:16
